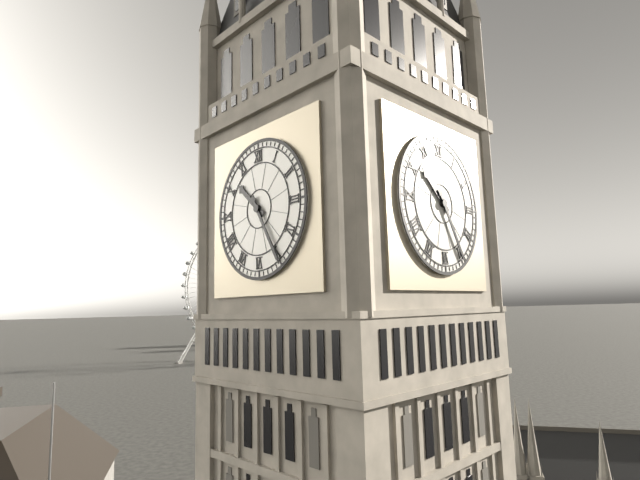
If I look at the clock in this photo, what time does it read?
10:25
